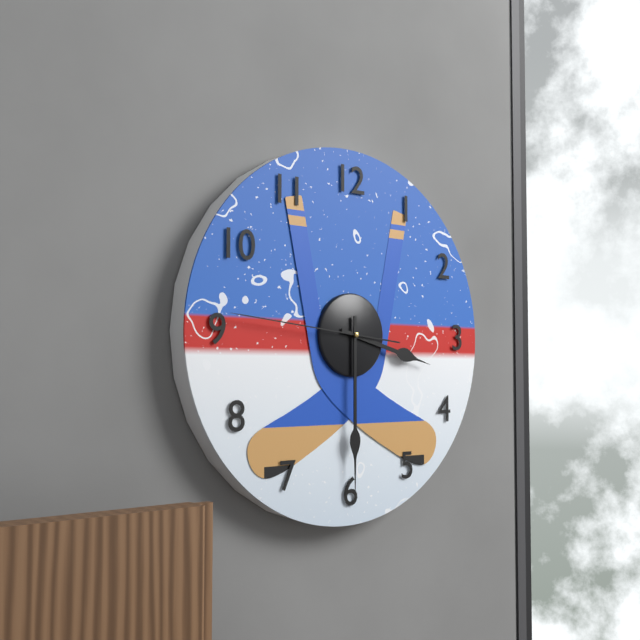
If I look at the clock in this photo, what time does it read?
3:30:46
